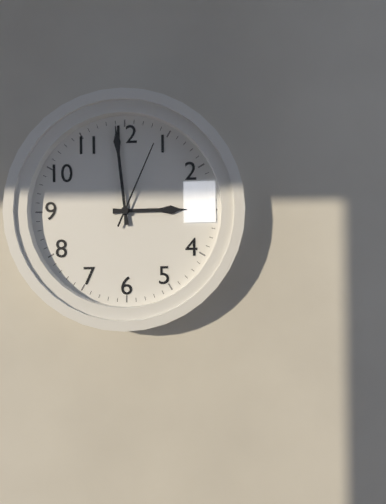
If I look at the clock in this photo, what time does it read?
2:59:04
